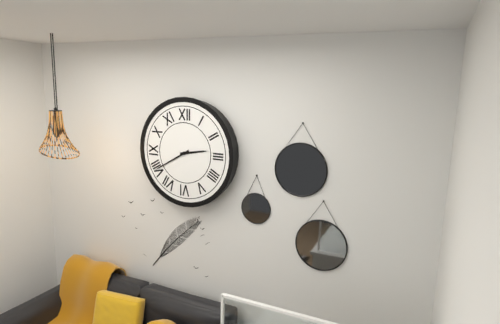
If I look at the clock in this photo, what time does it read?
2:40
